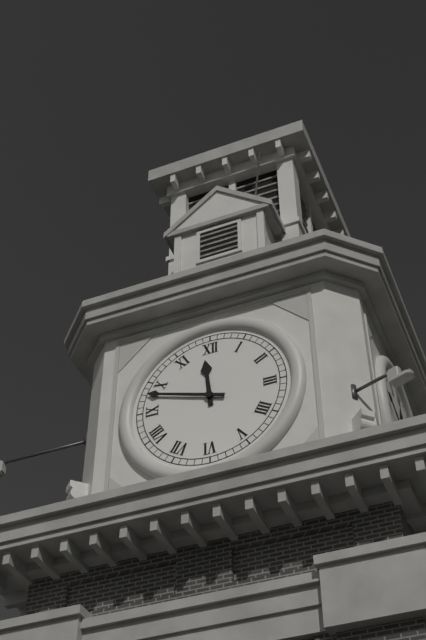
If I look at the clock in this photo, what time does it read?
11:48
